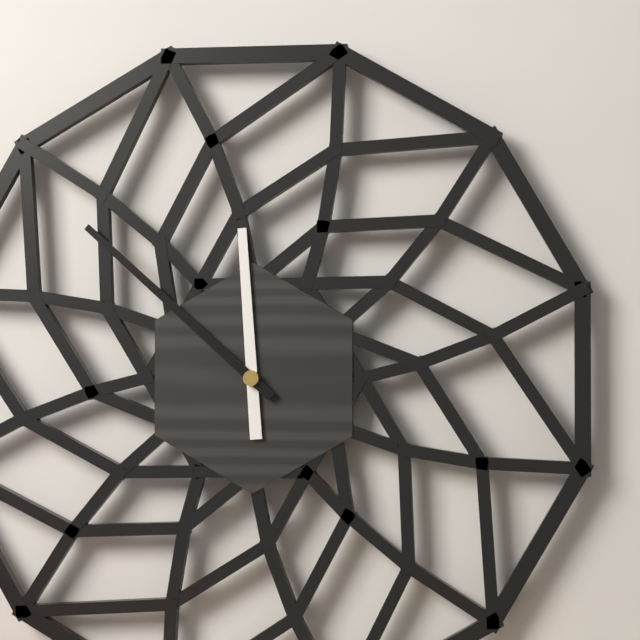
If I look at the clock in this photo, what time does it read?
11:52
